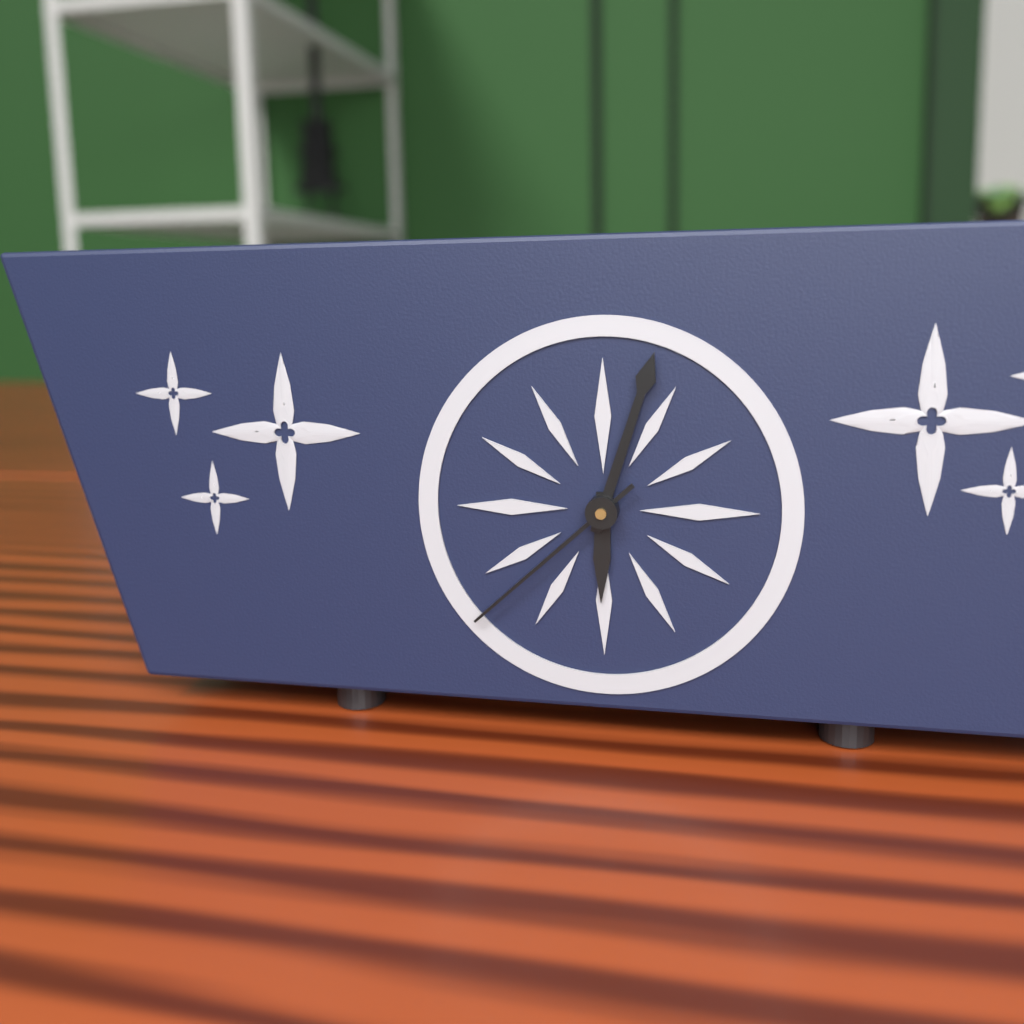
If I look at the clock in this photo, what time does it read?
6:03:38
